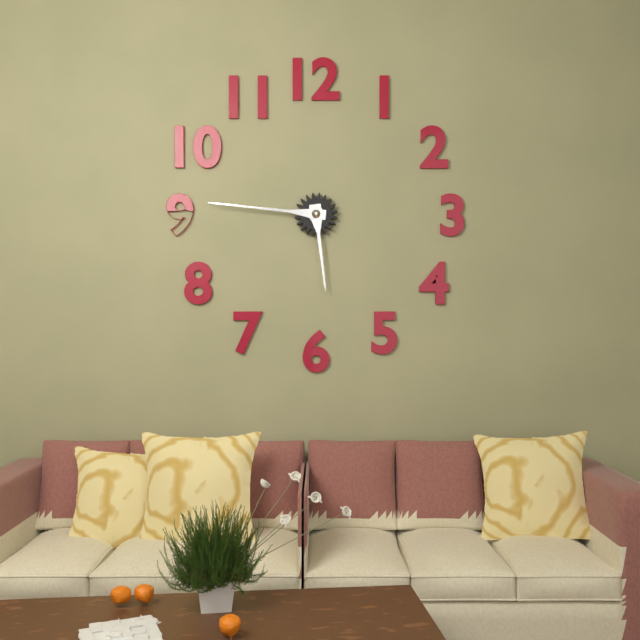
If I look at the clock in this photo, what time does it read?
5:46
